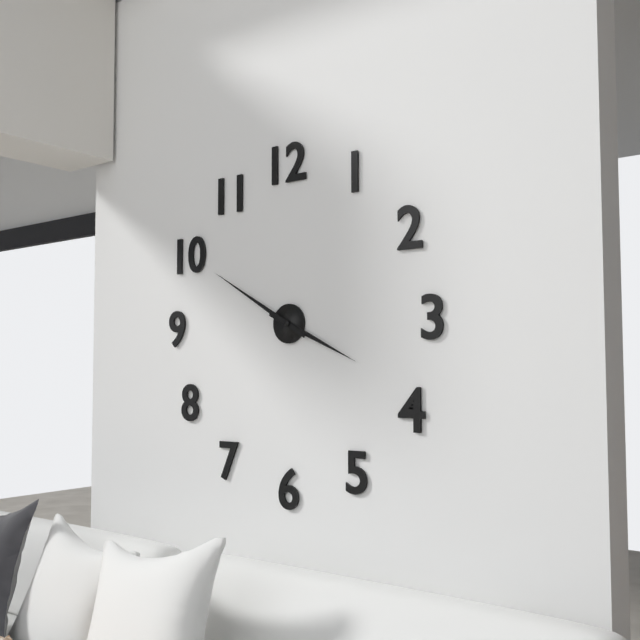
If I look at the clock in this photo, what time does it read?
3:50
